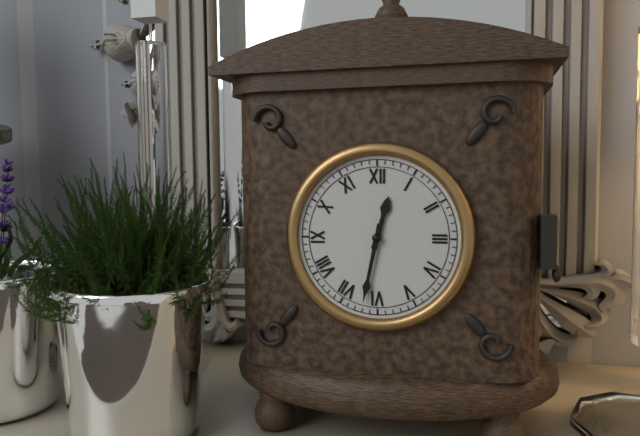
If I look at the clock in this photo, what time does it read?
12:32
